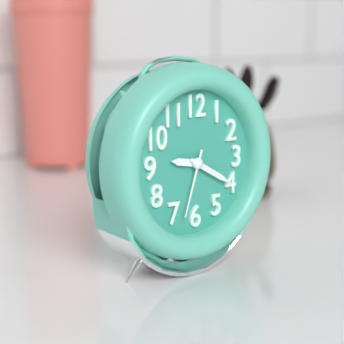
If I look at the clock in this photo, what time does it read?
9:20:33
